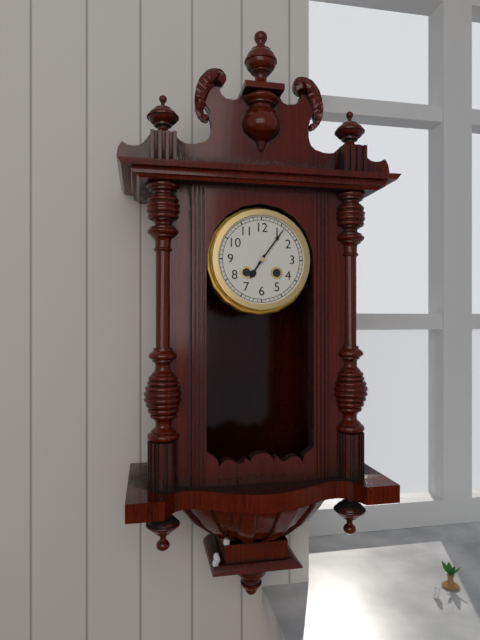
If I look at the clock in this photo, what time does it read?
7:06
